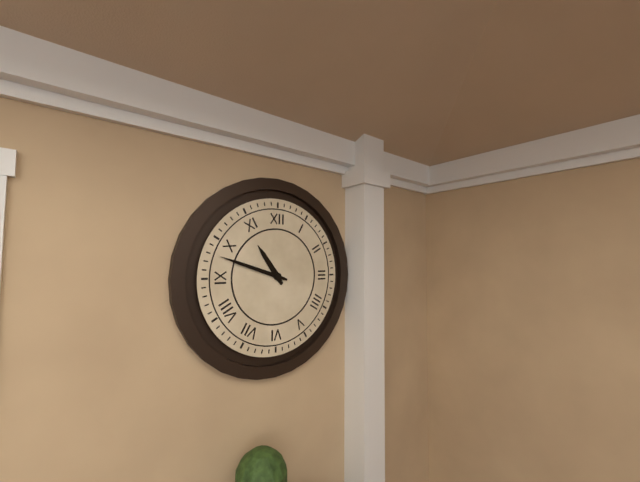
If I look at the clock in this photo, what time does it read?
10:48
